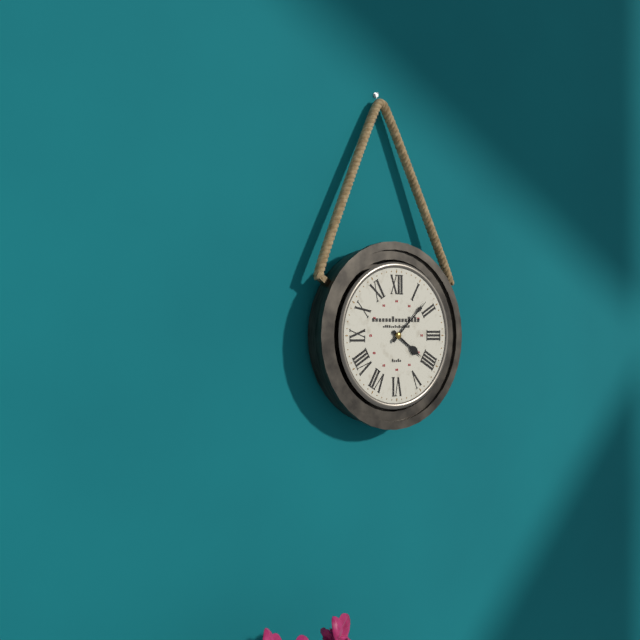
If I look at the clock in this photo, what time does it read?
4:08
